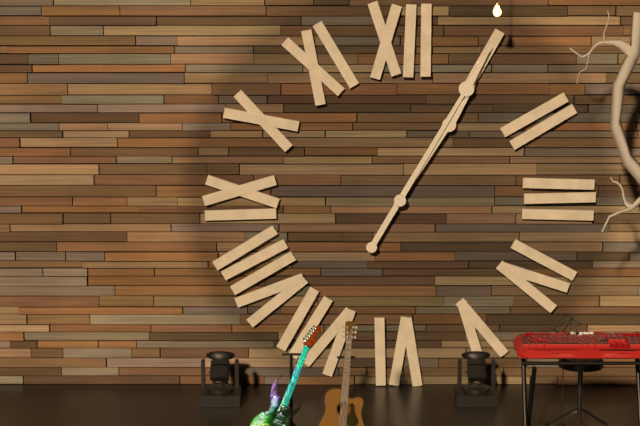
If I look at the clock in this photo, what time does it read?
1:05
